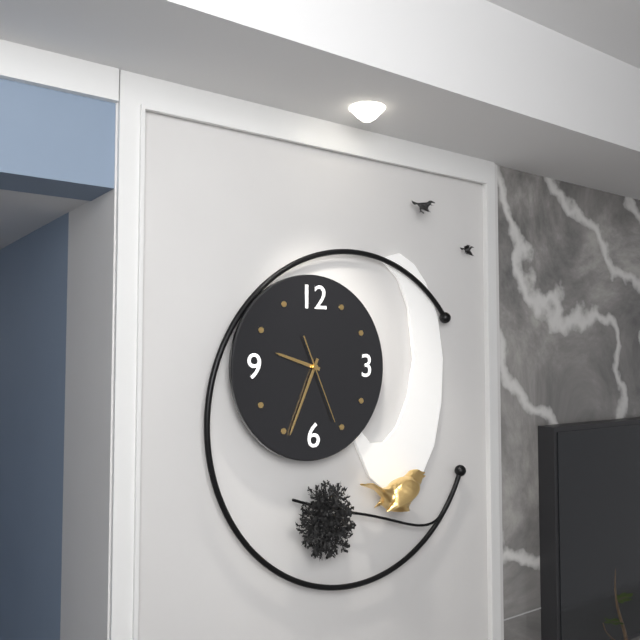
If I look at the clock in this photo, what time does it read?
9:34:26
